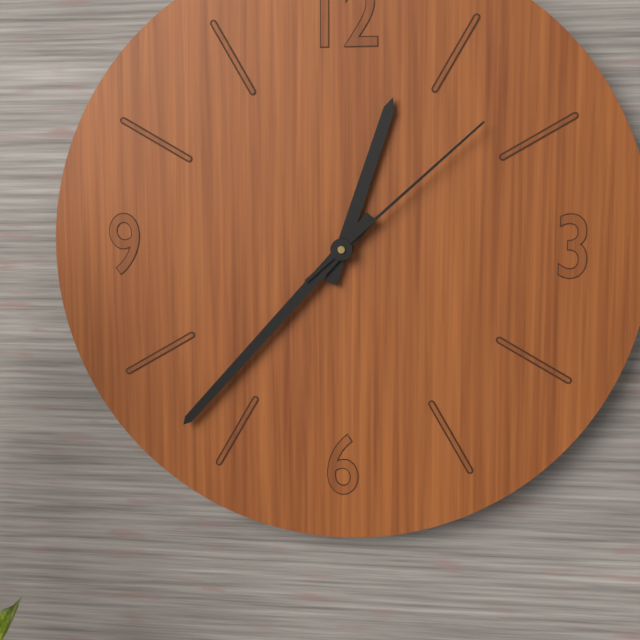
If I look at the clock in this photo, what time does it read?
12:37:08
